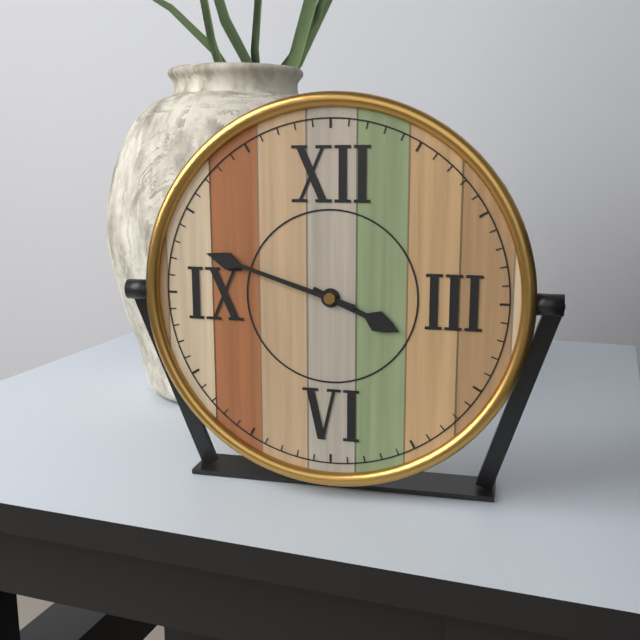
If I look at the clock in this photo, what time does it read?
3:48
